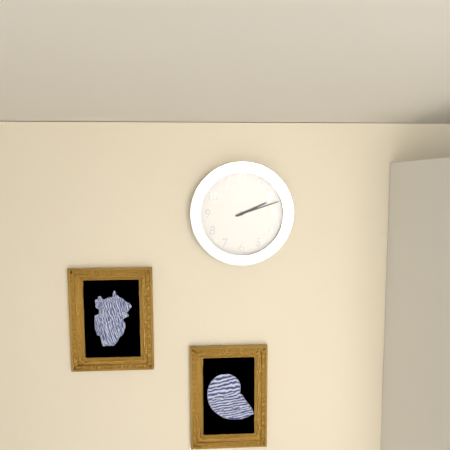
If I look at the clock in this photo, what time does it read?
2:12
